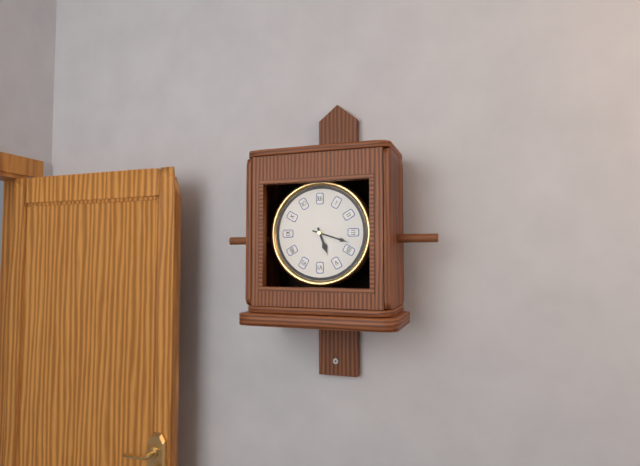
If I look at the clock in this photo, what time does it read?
5:18
